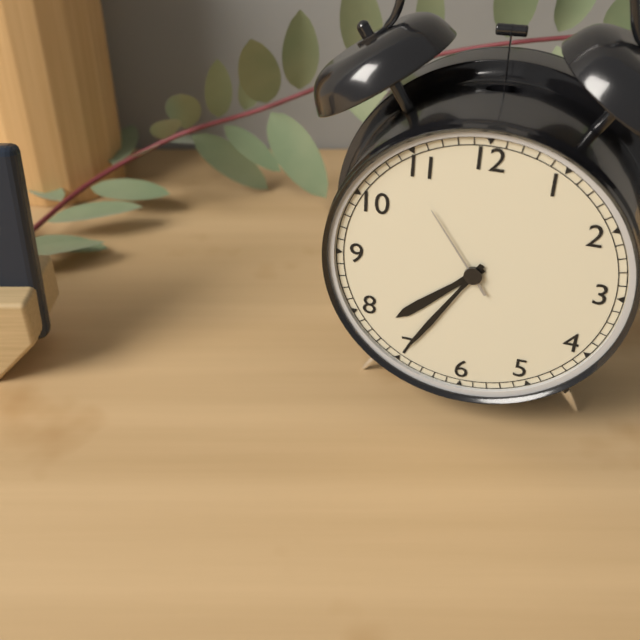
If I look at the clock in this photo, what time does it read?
7:35:54
